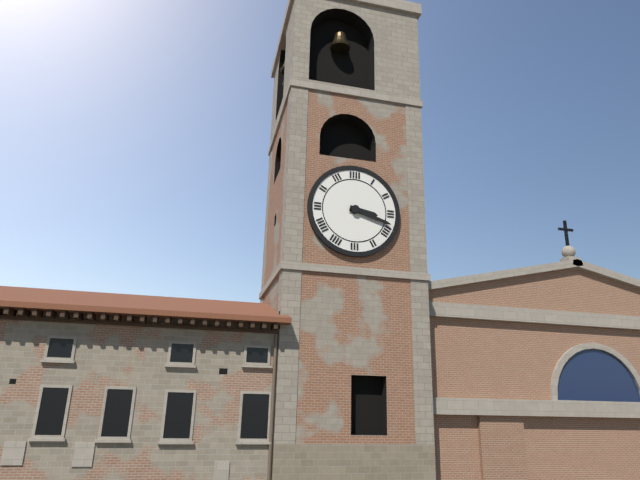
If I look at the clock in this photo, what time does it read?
3:18
